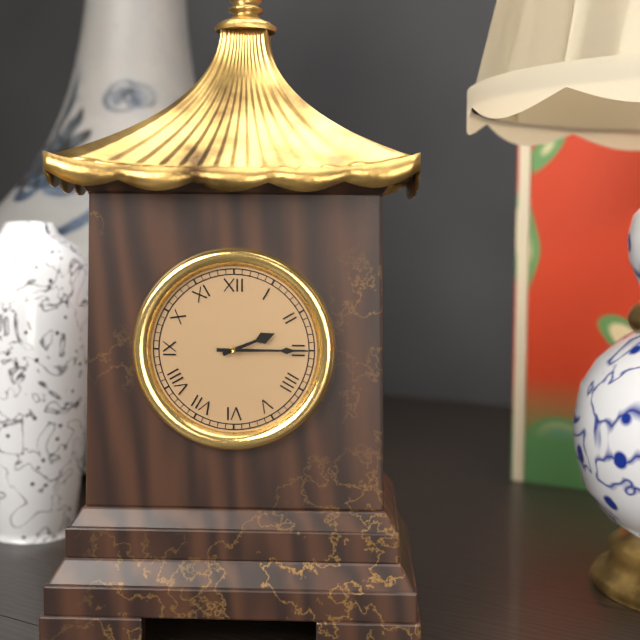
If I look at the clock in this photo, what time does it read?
2:15
